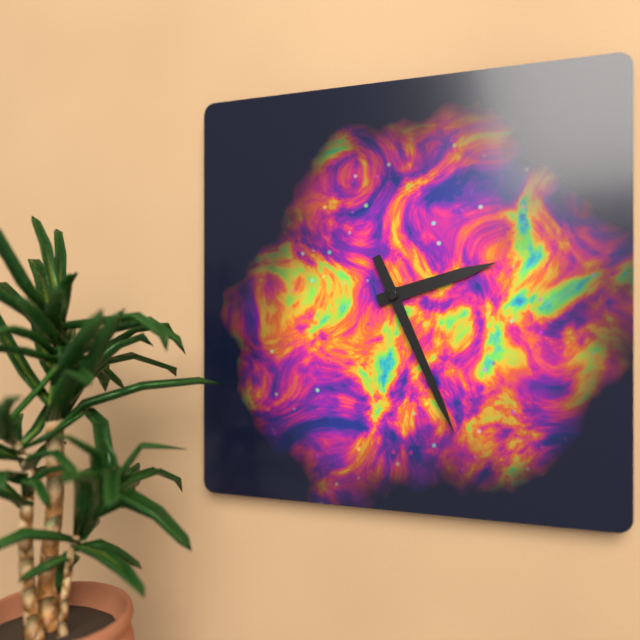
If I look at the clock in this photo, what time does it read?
2:26
